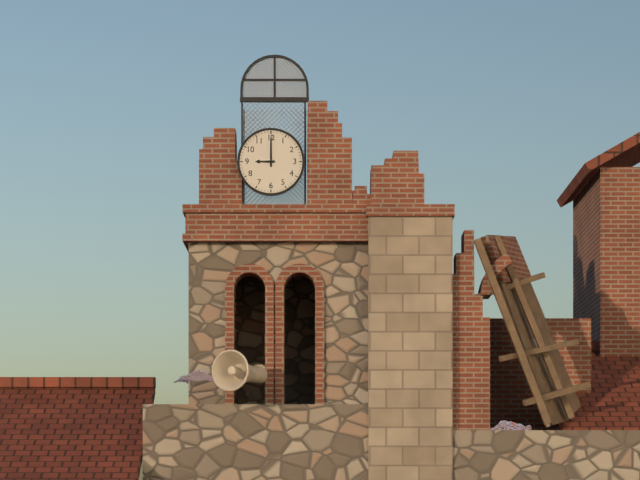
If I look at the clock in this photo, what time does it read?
9:00
